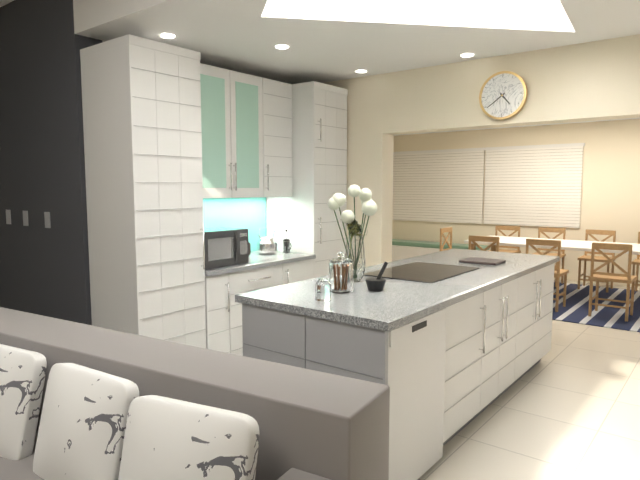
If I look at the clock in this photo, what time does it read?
4:39
